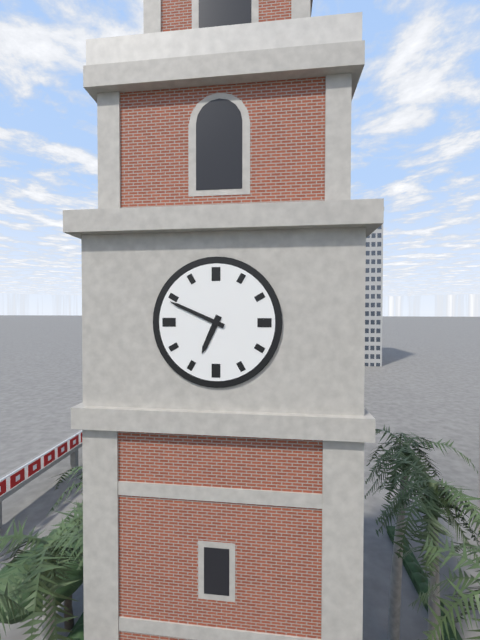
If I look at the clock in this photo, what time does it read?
6:49
